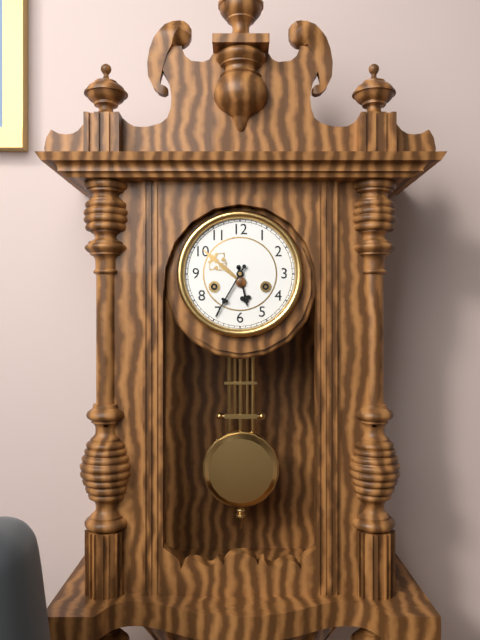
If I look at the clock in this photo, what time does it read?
5:35
